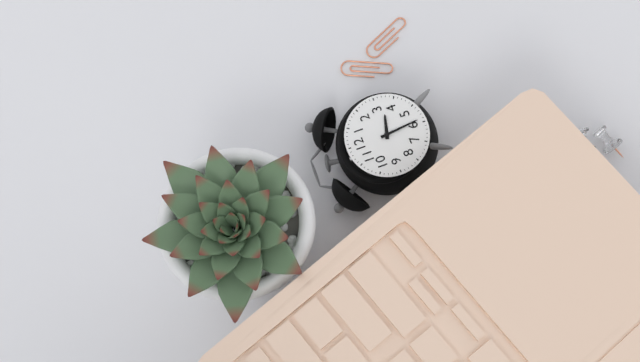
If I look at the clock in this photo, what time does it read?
3:29
